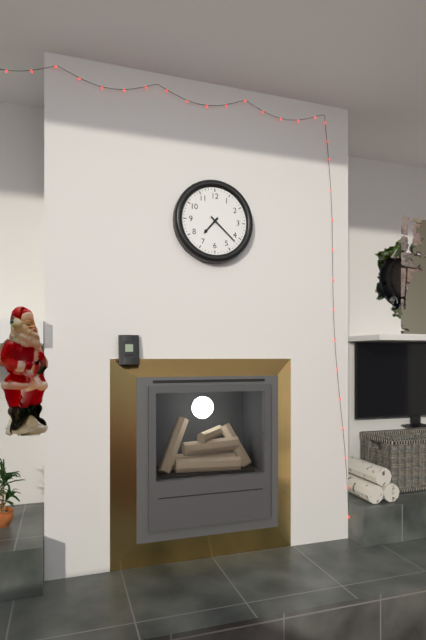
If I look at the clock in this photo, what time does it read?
7:22
